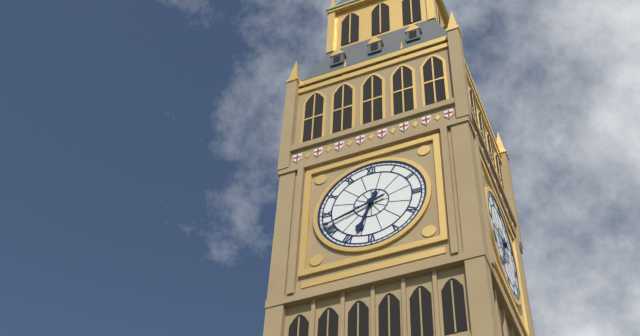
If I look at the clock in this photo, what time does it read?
6:42
